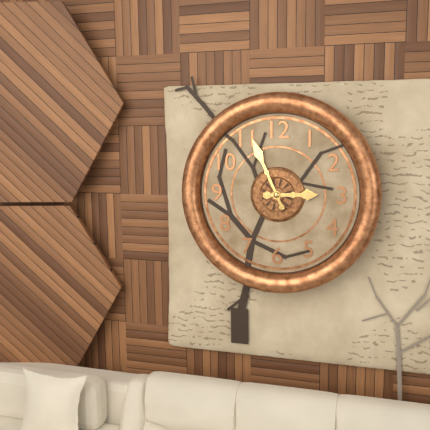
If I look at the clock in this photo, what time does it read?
2:56
